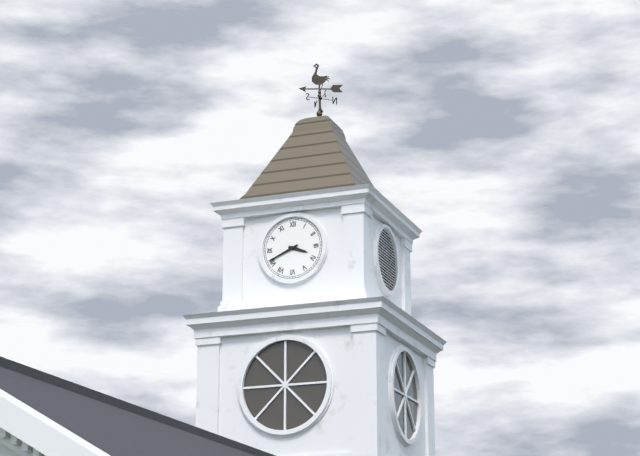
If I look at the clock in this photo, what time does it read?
3:41
